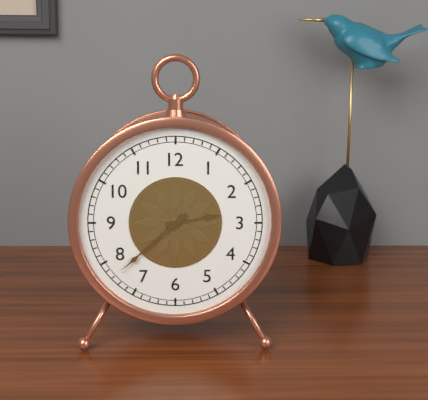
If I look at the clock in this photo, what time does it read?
2:38
